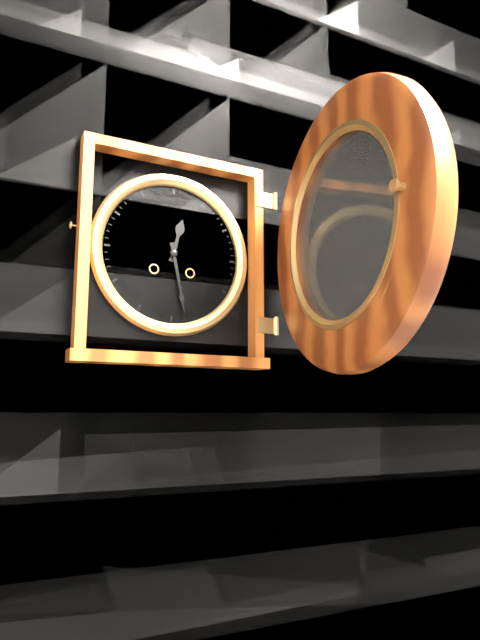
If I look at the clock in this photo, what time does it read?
12:28
